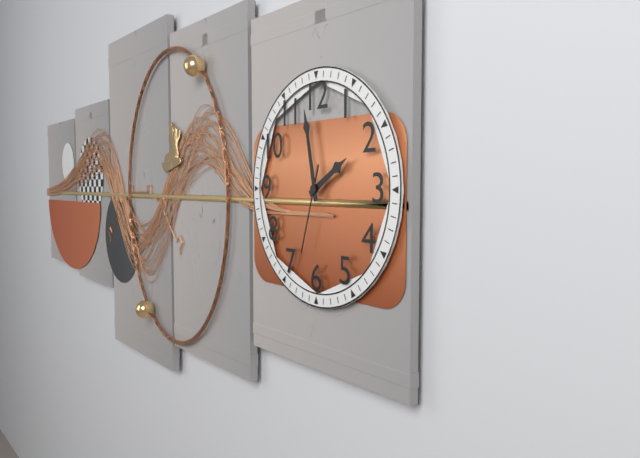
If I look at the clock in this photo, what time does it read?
1:58:33
